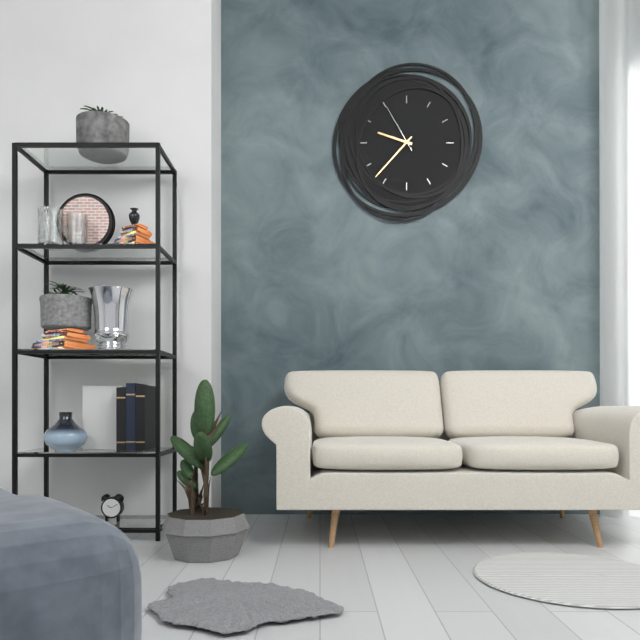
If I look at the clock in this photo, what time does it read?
9:37:55
